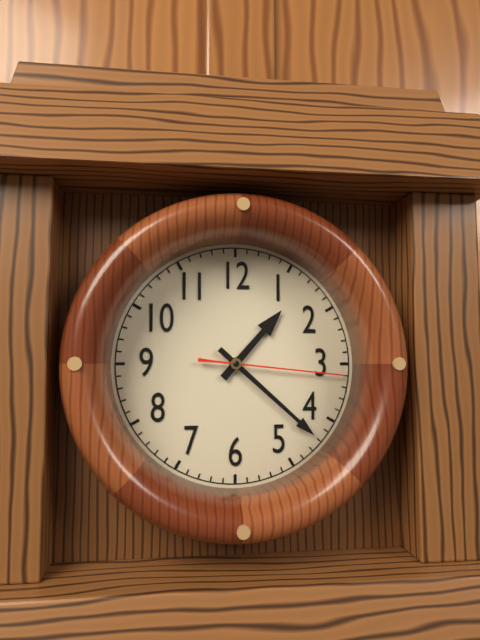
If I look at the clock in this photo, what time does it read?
1:22:16
